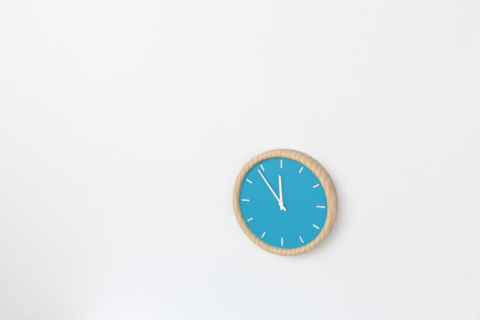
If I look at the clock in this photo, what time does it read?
11:54
